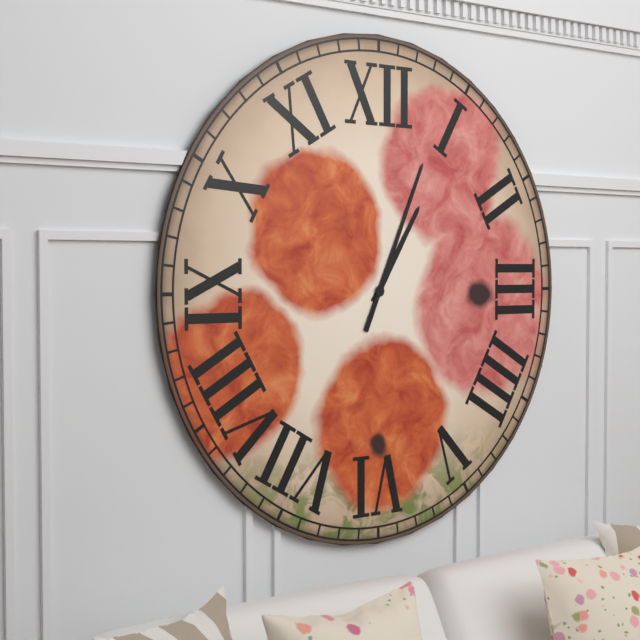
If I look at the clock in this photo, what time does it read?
1:04
